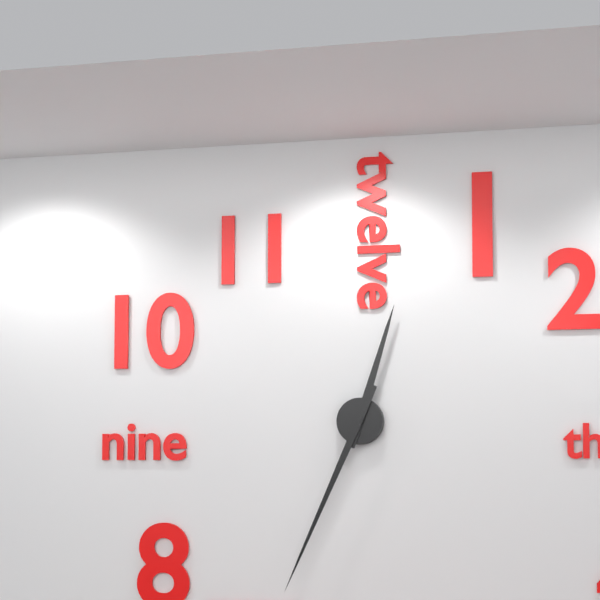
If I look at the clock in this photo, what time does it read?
12:34
